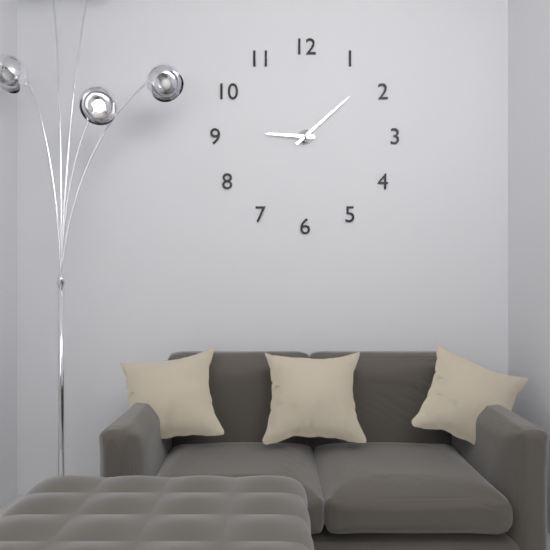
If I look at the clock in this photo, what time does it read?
9:08
